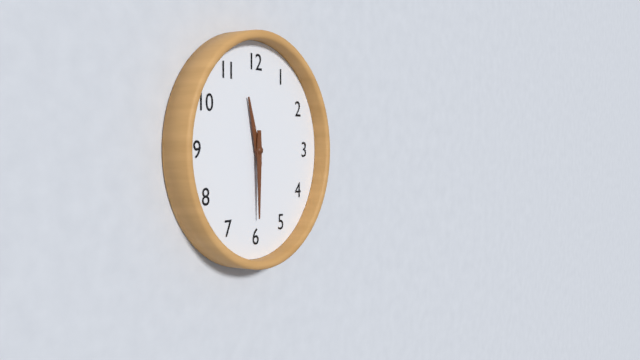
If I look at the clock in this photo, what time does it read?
11:30
